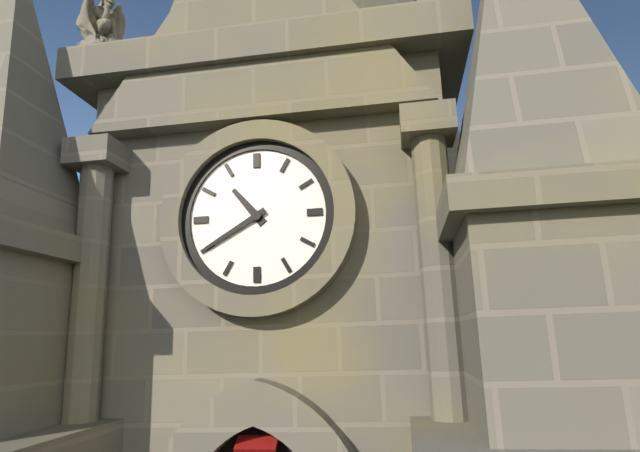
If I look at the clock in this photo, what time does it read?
10:40
